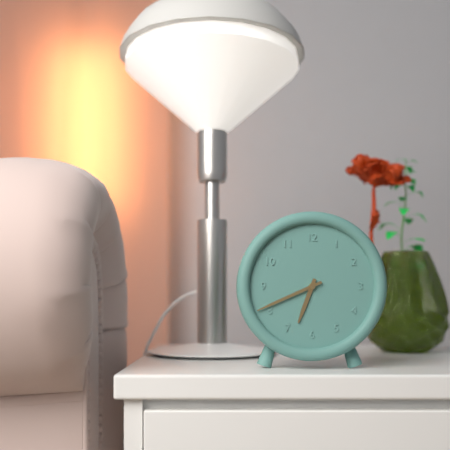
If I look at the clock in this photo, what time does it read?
6:41
